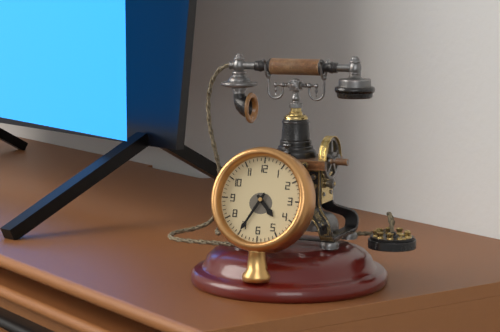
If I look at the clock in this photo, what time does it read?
4:35
